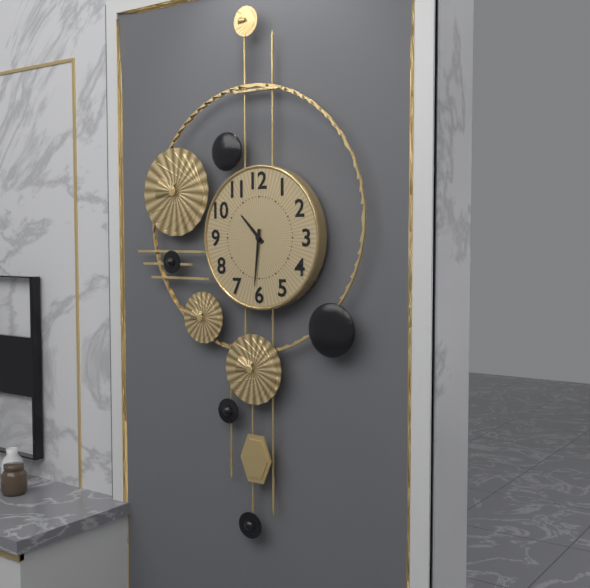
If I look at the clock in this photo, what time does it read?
10:31
